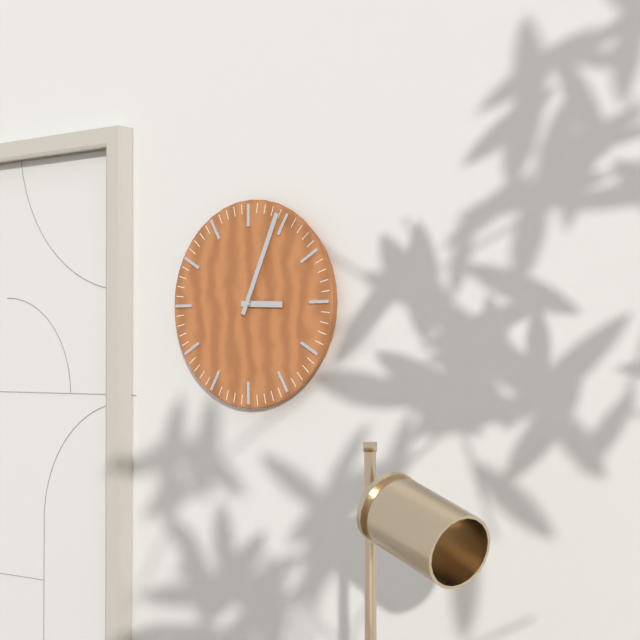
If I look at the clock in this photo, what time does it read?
3:04
